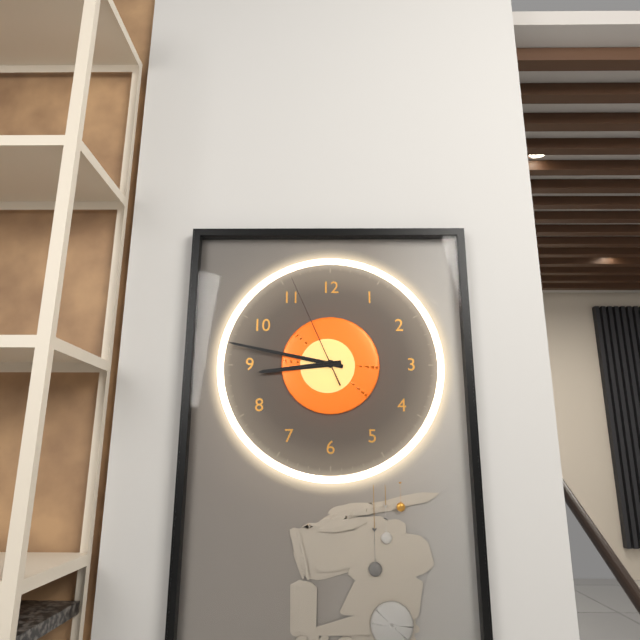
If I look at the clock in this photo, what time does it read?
8:47:56
